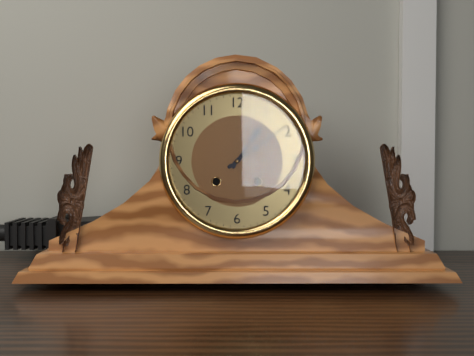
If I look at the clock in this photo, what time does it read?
1:09
